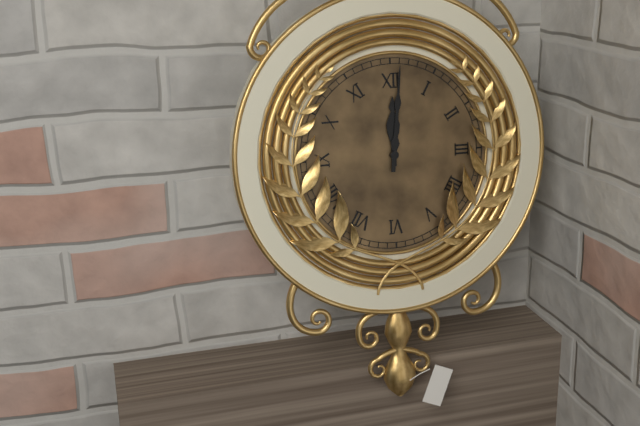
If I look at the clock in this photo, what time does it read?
12:01
